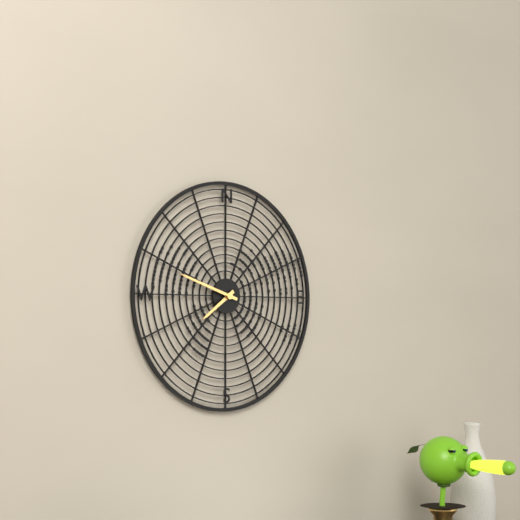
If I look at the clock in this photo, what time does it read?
7:48
